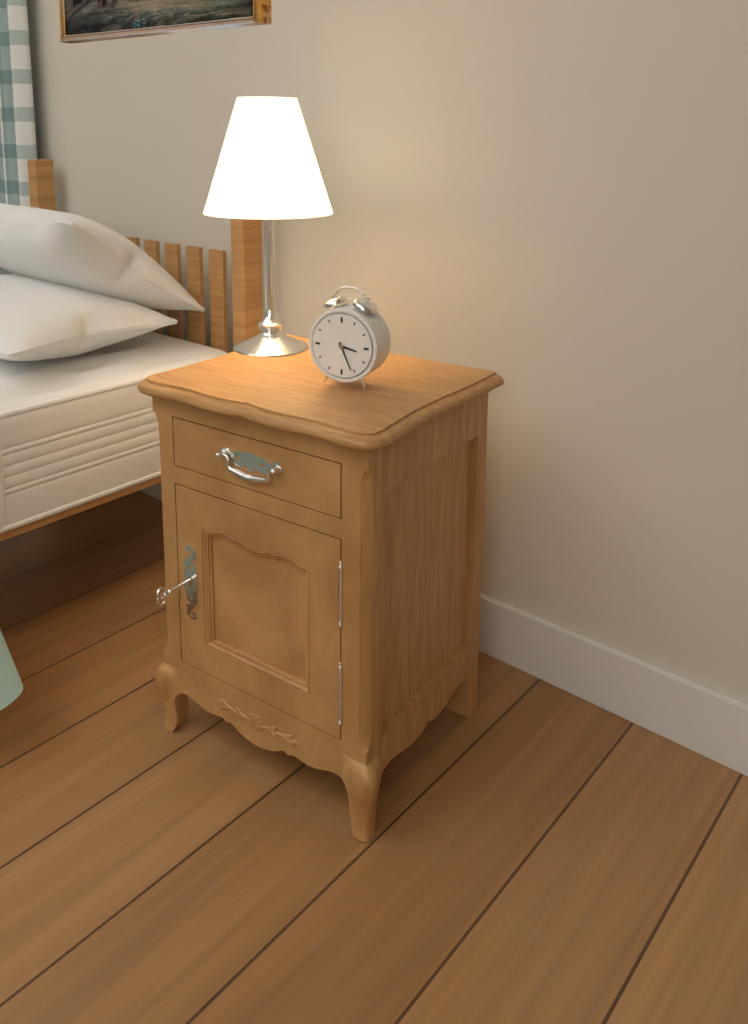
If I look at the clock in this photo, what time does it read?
3:26
